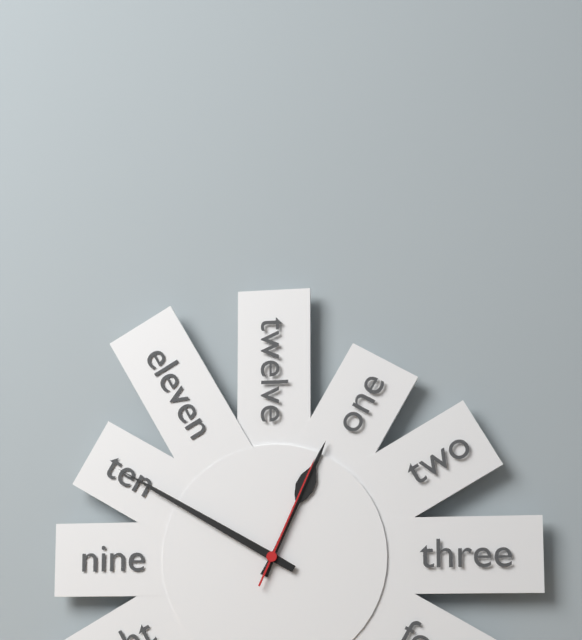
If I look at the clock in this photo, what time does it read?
12:50:04
